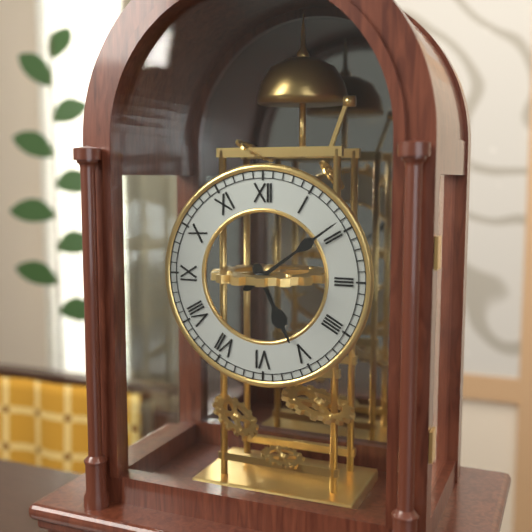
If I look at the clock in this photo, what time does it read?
5:09
